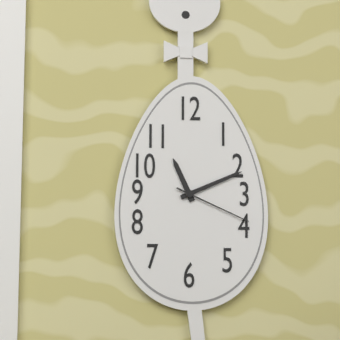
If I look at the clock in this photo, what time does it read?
11:11:19
